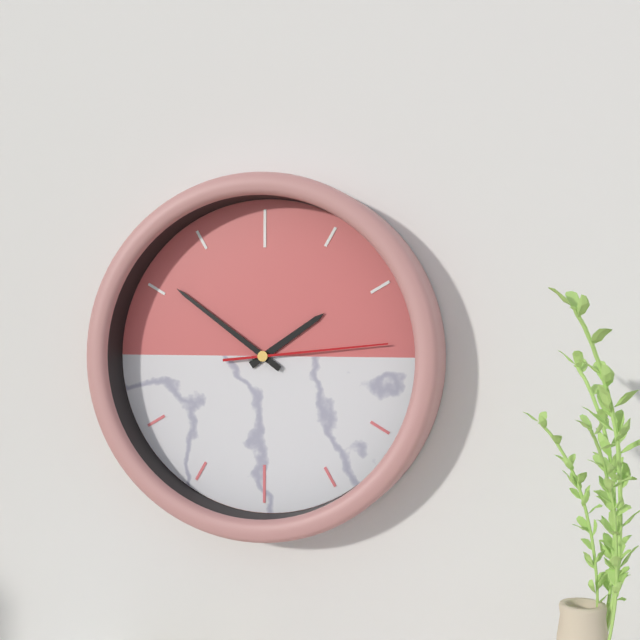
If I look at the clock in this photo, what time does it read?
1:51:14
